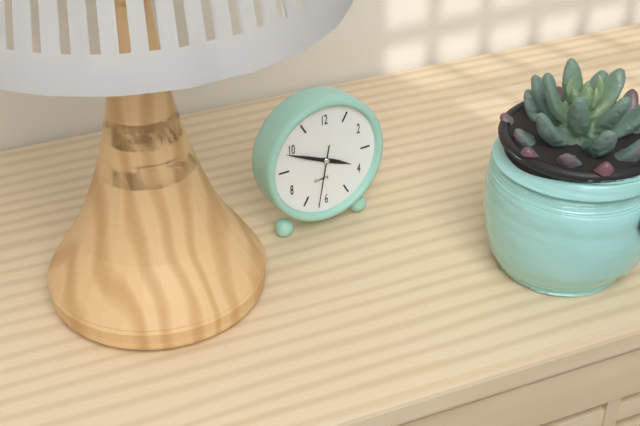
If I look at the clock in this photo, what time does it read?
3:49:32
